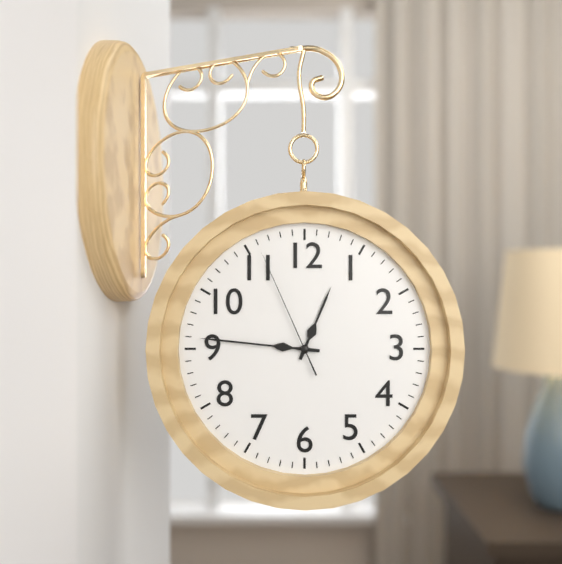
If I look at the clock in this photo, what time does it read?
12:46:56
